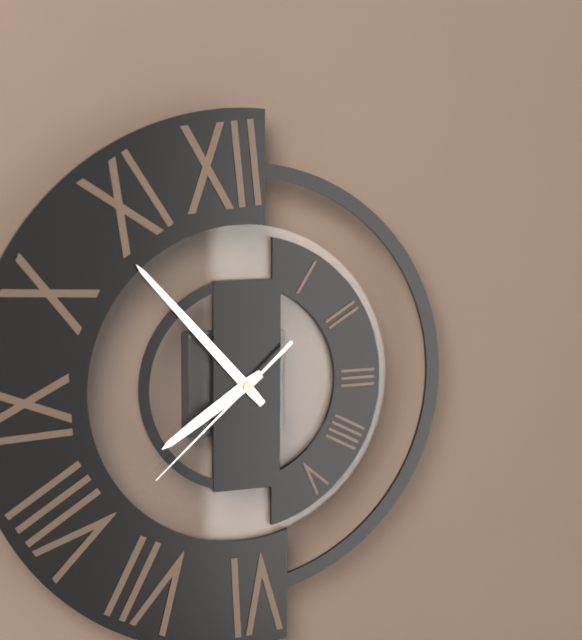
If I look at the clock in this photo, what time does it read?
7:53:38
